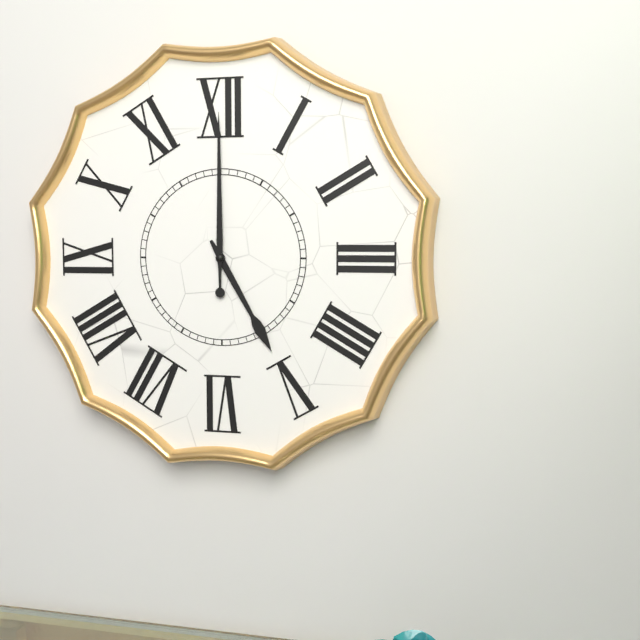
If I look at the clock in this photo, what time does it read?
5:00
